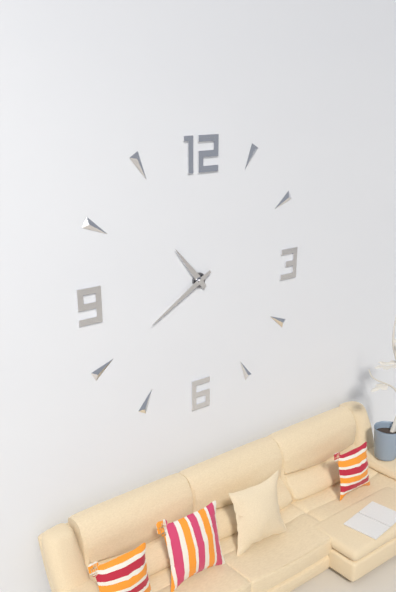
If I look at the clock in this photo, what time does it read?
10:40
